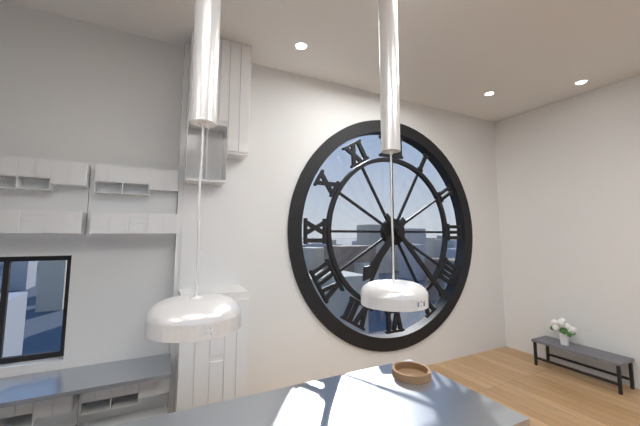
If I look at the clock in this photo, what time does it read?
7:23
